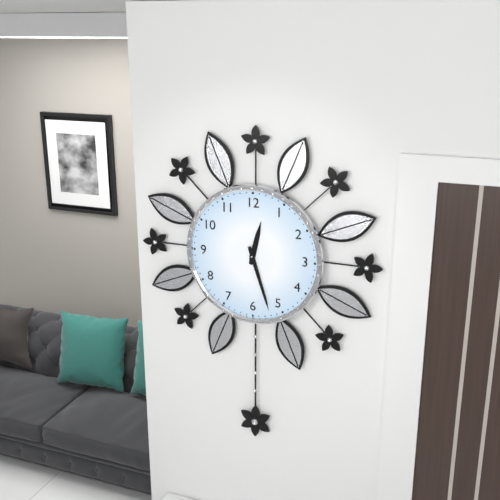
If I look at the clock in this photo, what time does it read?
12:27
